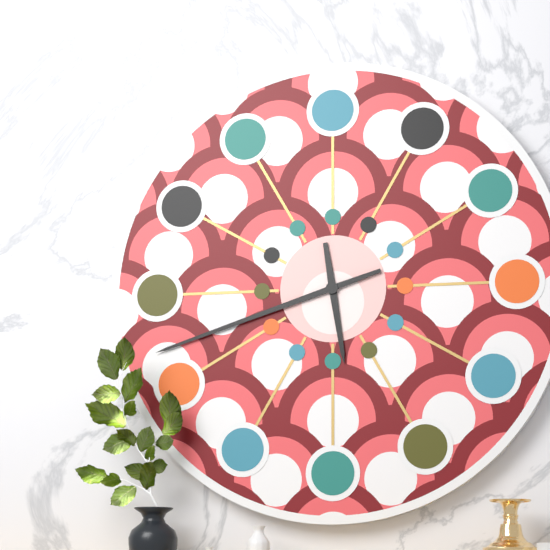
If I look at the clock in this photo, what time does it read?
5:42
